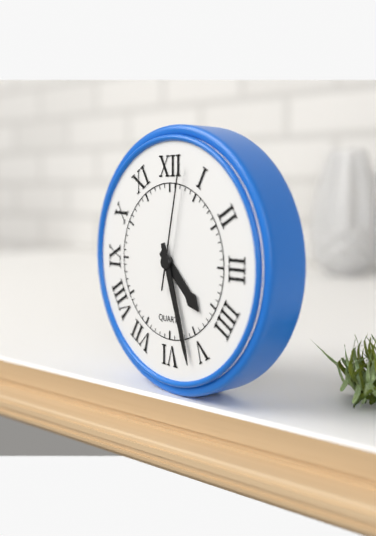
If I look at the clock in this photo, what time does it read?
4:27:02
